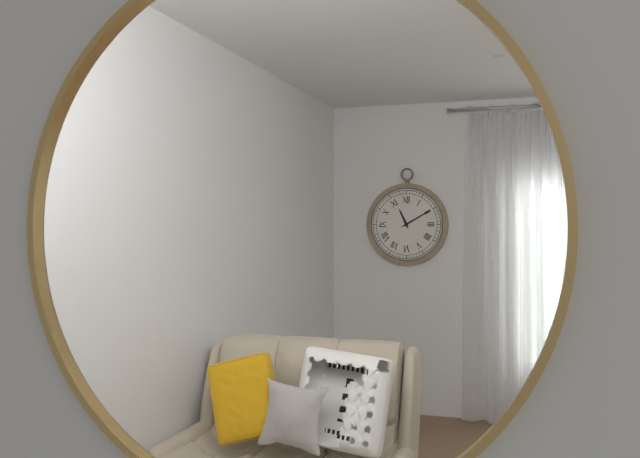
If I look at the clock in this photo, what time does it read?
11:10
